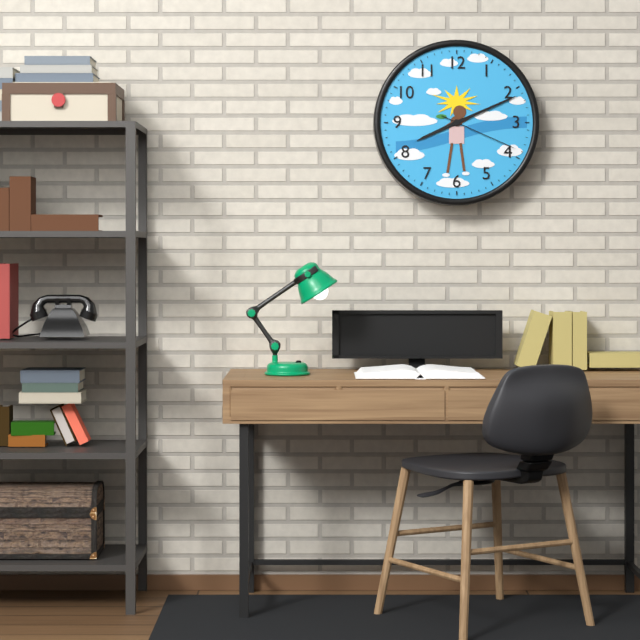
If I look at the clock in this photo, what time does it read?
8:11:19
